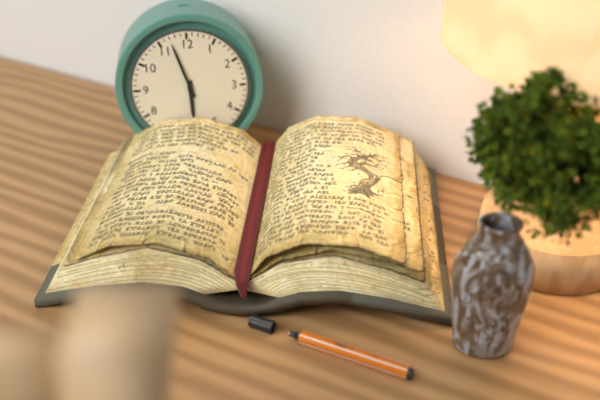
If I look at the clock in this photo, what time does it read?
5:57
